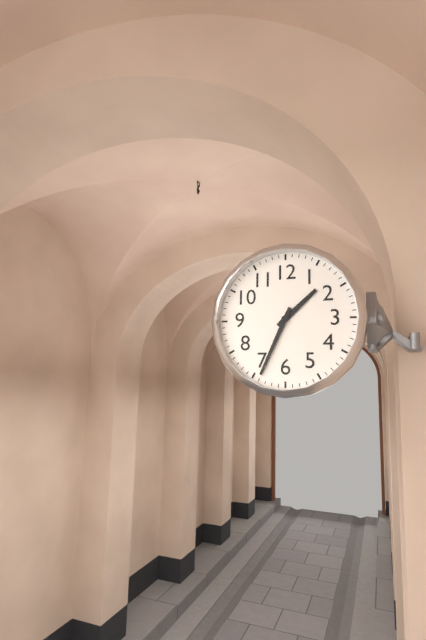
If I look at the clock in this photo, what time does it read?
1:34
